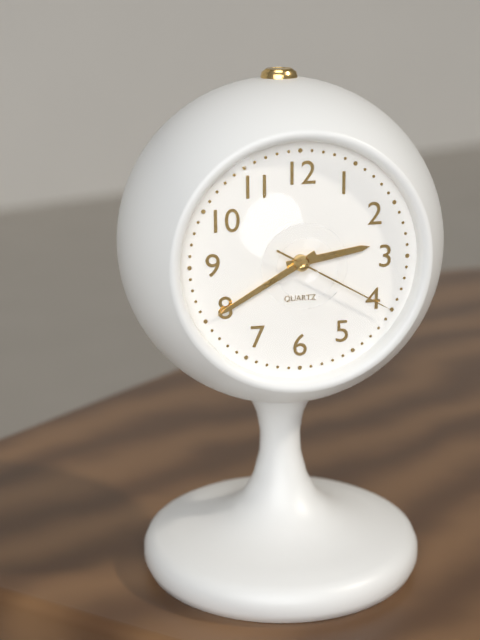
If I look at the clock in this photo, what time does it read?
2:40:20
